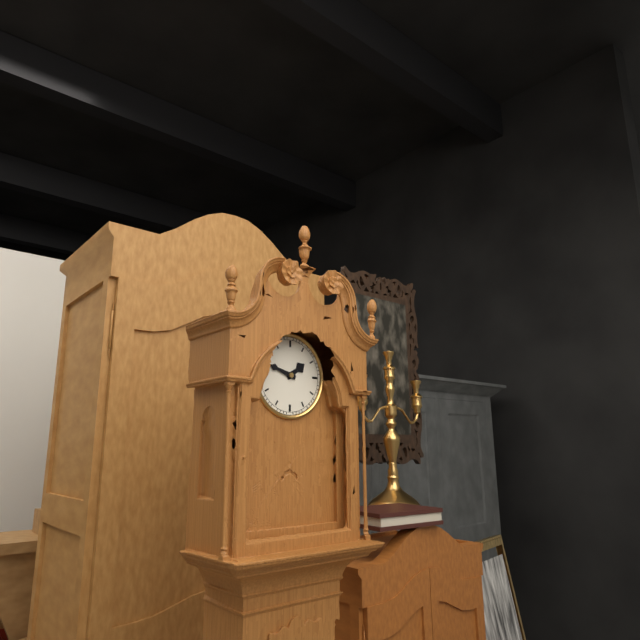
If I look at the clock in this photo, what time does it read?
1:48
